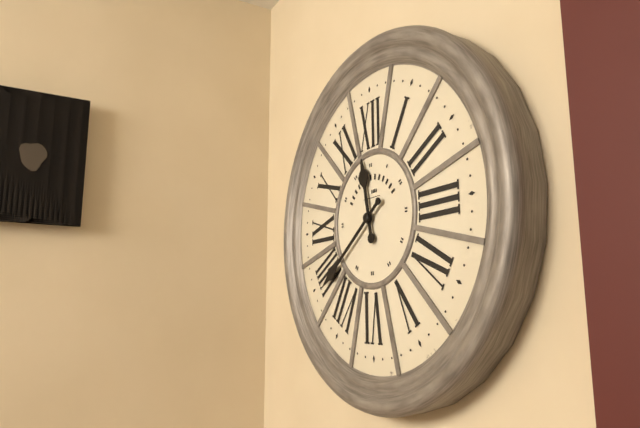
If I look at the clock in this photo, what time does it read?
11:39
